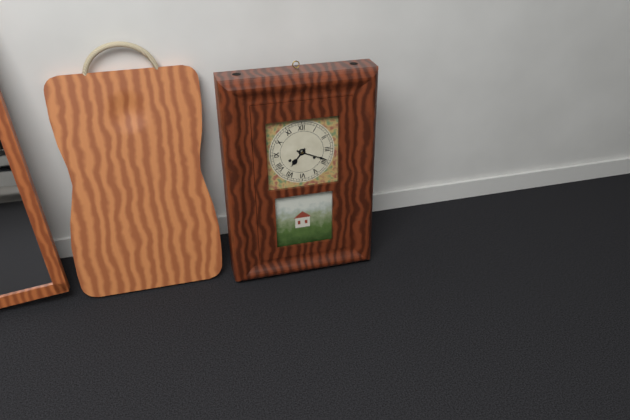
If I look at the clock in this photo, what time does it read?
7:19
